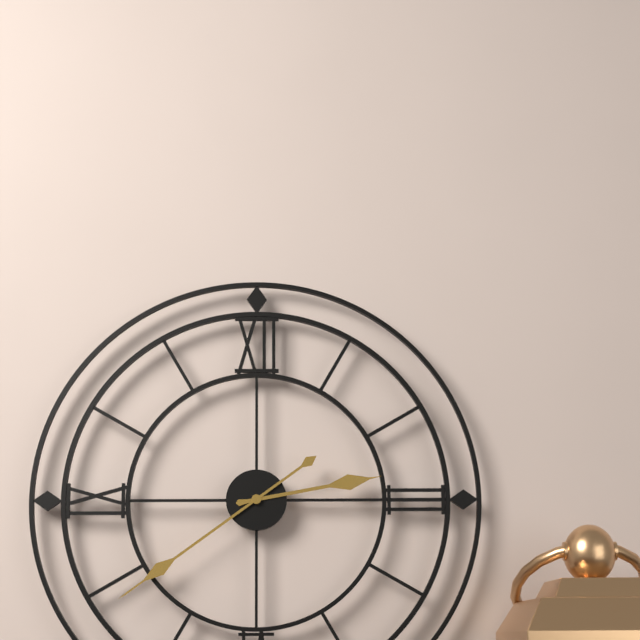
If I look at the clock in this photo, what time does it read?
2:39
